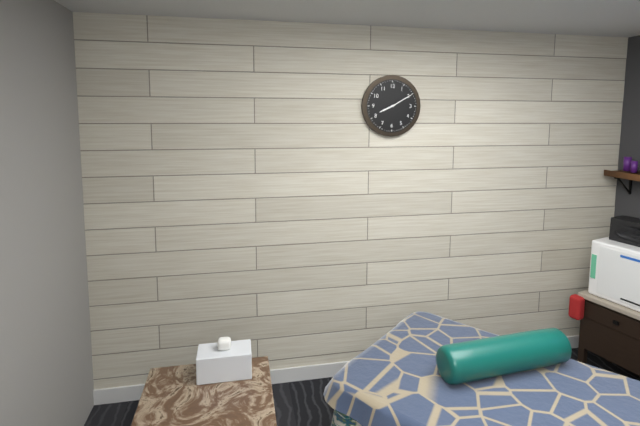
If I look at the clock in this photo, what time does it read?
8:10
